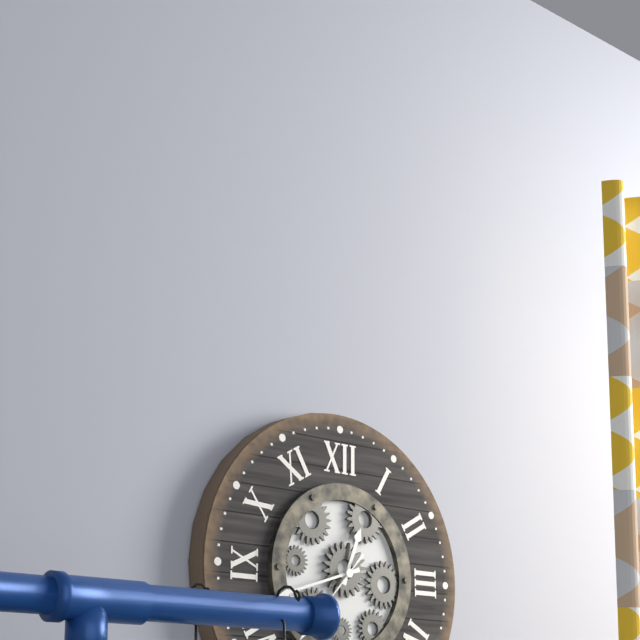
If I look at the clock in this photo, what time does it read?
12:42
